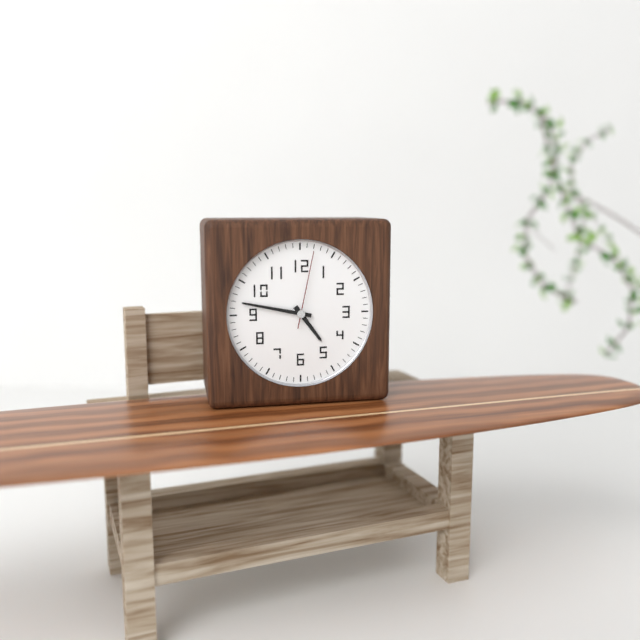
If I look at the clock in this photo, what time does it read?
4:47:02
